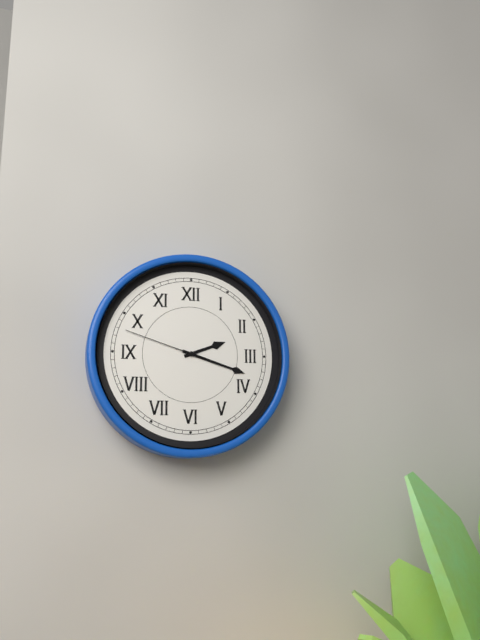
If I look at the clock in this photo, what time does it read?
2:18:48
